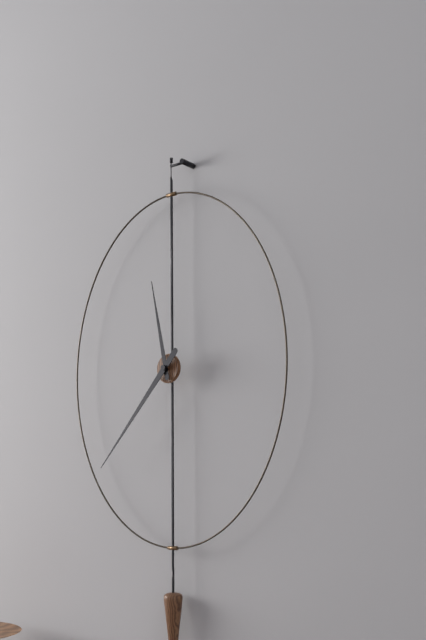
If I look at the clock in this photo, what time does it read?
11:37
